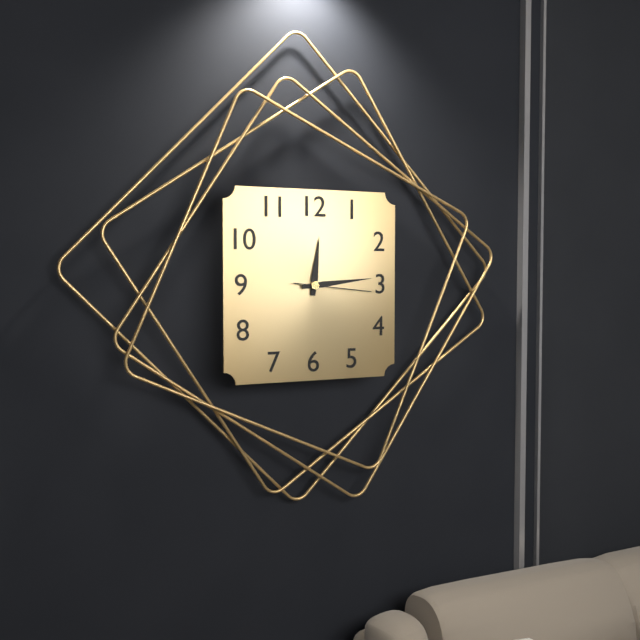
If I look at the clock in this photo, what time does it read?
12:14:16
